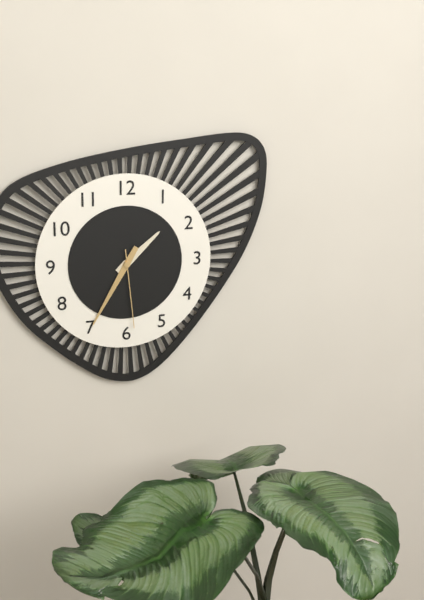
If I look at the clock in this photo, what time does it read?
1:35:29
